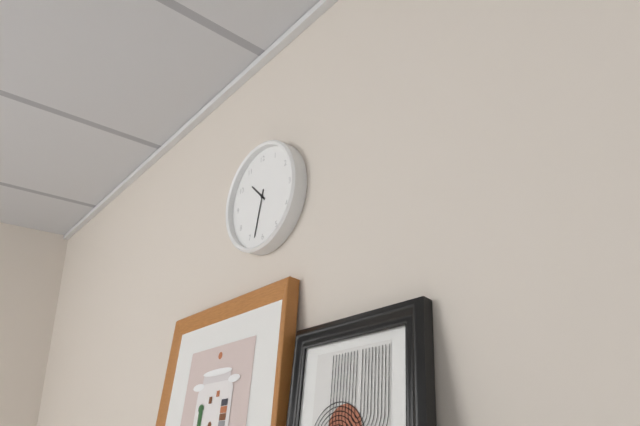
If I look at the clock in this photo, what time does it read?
10:33
